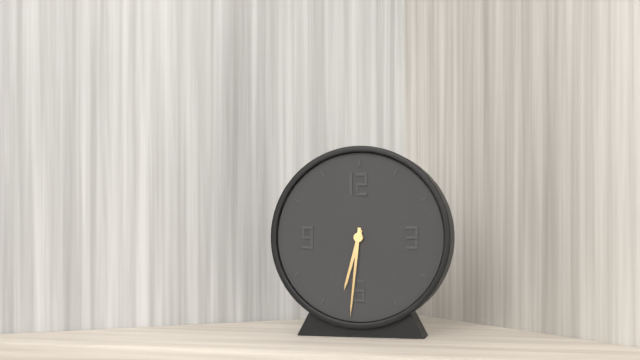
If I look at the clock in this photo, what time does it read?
6:31
